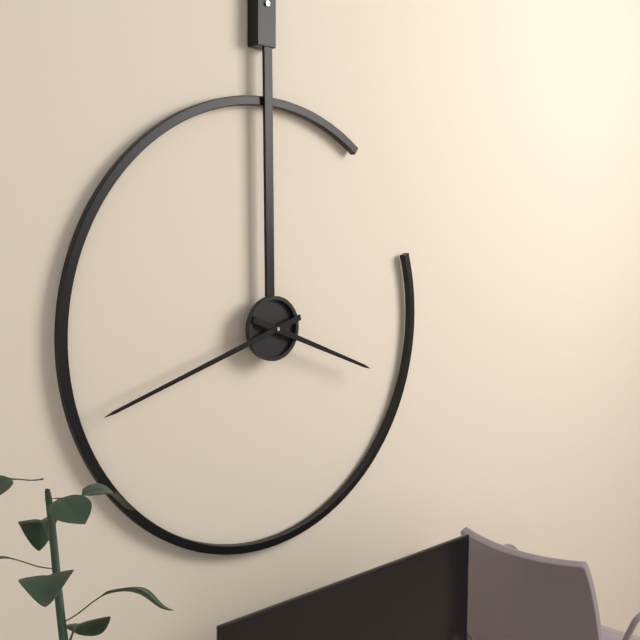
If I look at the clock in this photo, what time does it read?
3:42
